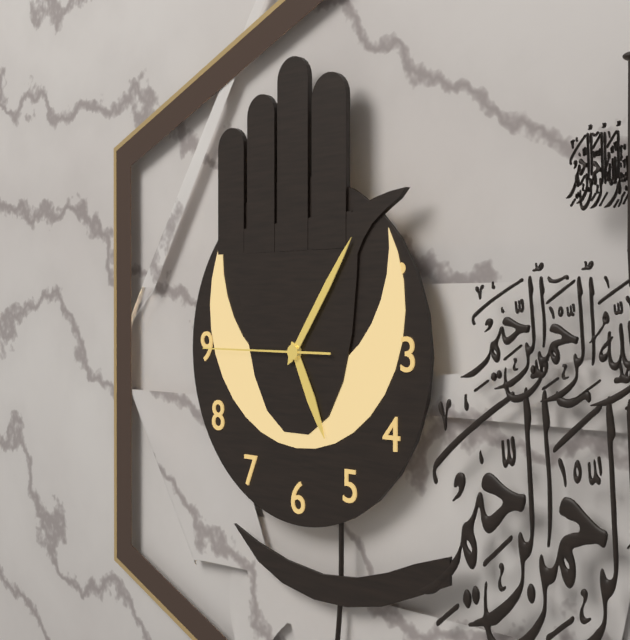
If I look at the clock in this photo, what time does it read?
5:06:45
